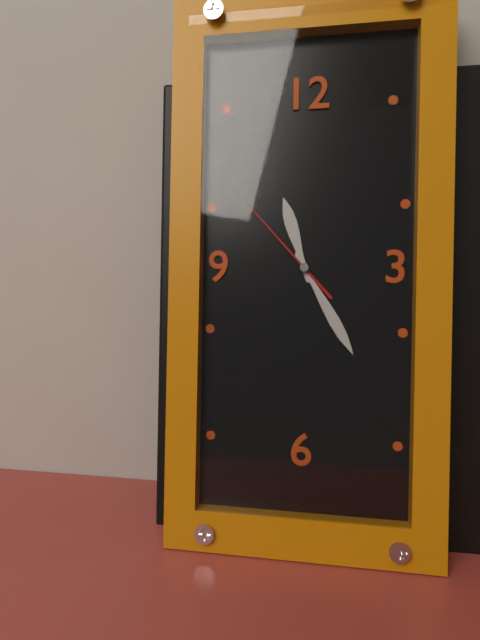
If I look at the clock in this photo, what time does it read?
11:25:53
